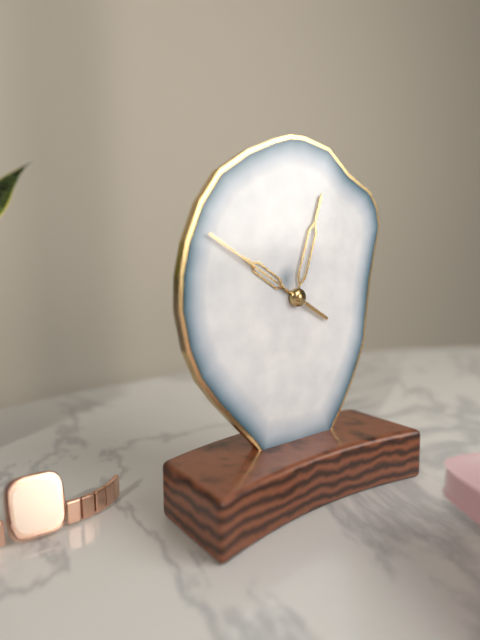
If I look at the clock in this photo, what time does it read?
10:03:50
